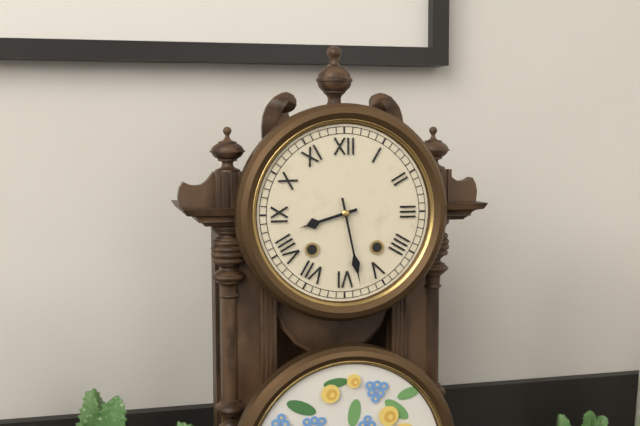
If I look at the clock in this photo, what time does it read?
8:28
